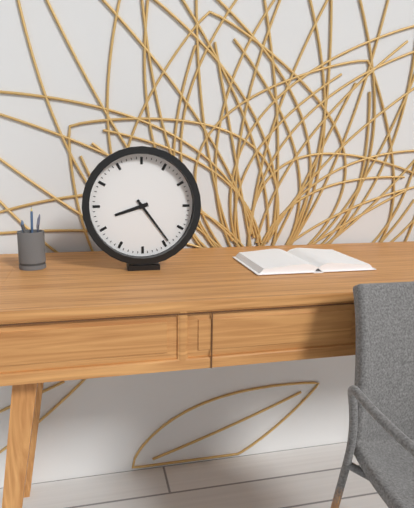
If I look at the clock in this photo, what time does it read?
8:24
